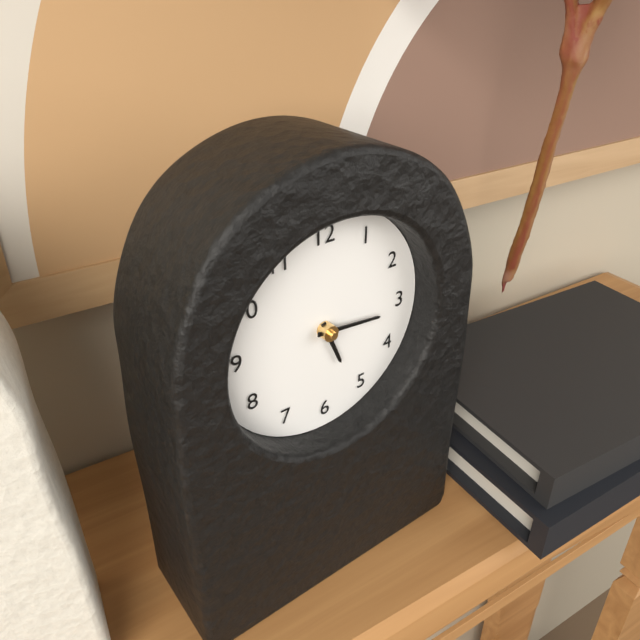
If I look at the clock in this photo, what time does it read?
5:16
